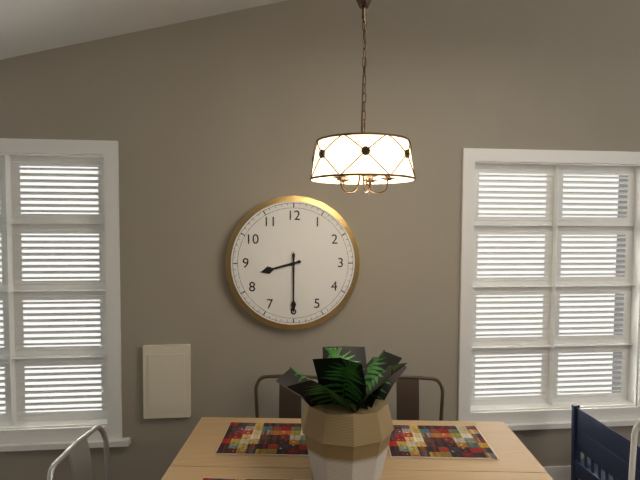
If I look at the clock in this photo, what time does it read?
8:30
